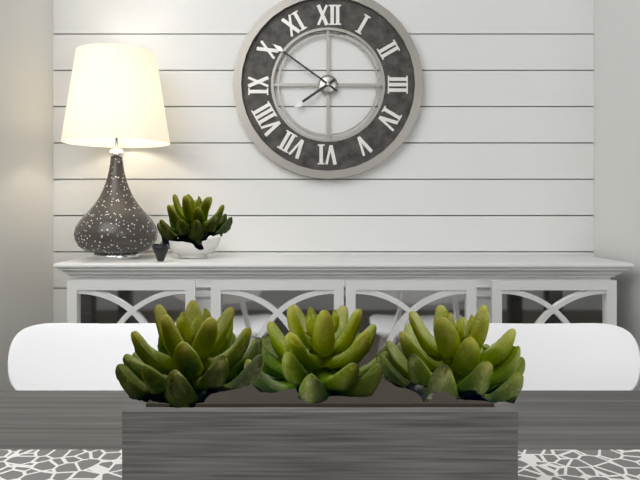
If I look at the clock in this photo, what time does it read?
7:51
